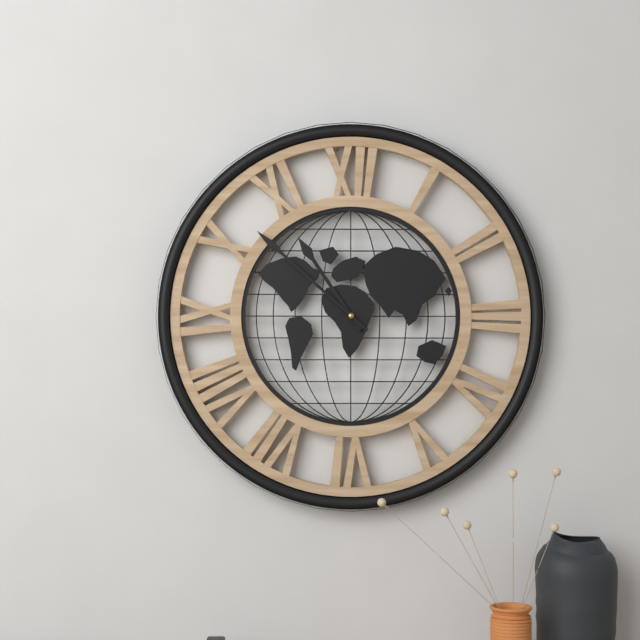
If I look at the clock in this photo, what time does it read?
10:52
